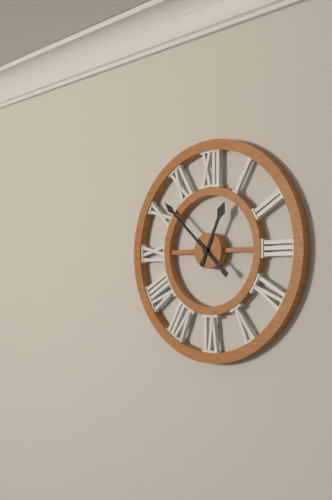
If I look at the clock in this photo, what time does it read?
12:52
